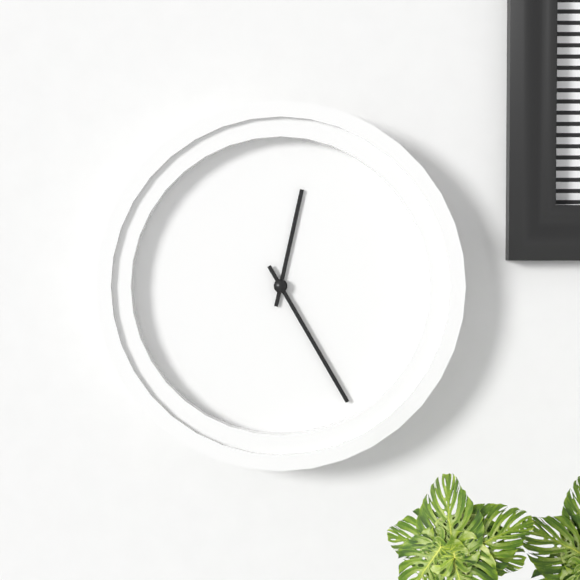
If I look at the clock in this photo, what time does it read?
12:25
